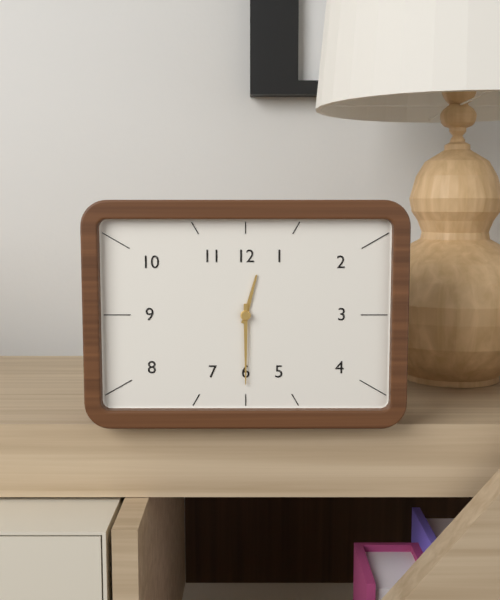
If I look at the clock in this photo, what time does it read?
12:30
